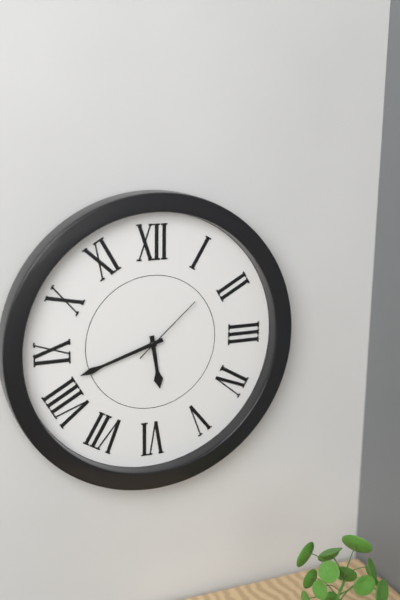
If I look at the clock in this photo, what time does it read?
5:42:08
